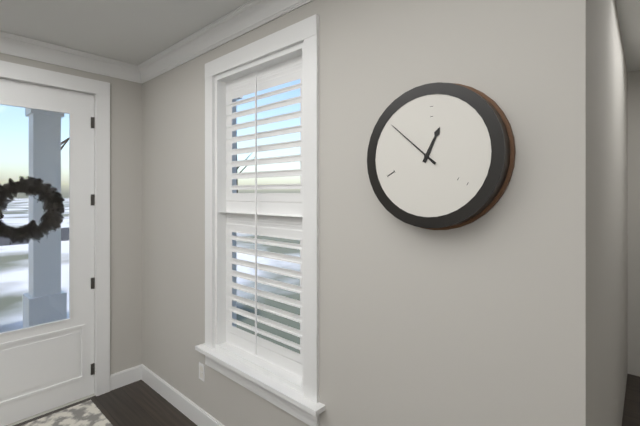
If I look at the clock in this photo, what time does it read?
12:52
